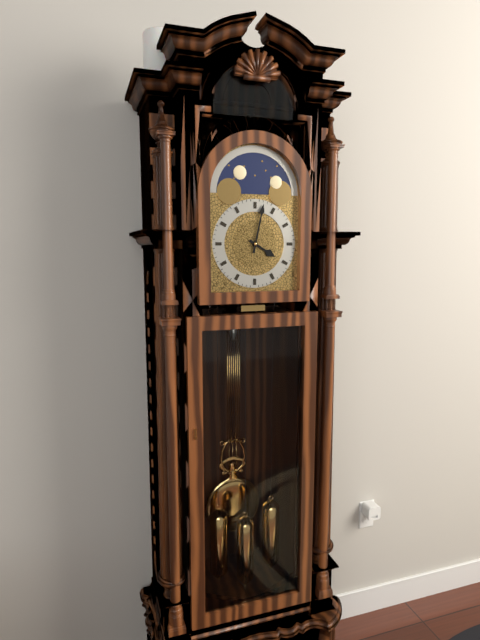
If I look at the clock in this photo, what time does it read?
4:02
